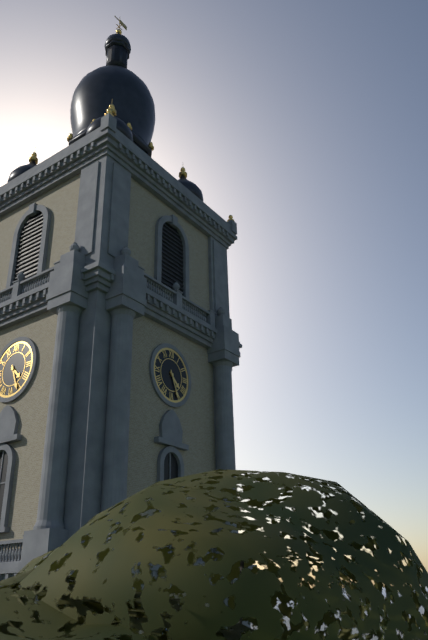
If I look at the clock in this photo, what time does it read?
4:26
